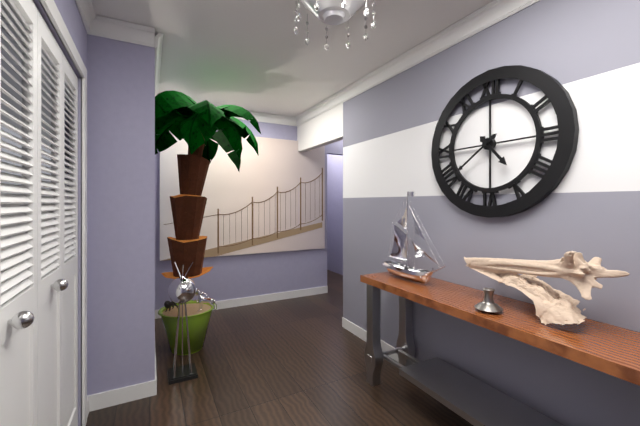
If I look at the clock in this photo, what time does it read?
4:39
